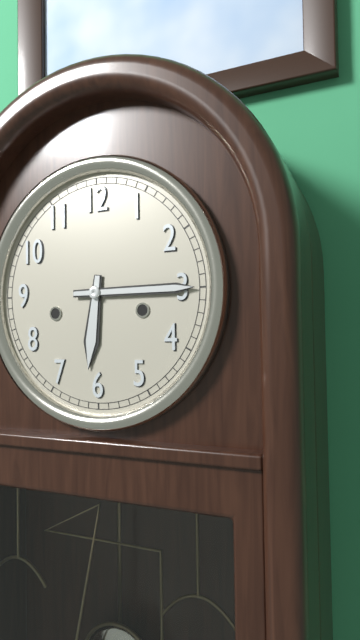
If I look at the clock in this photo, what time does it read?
6:15
